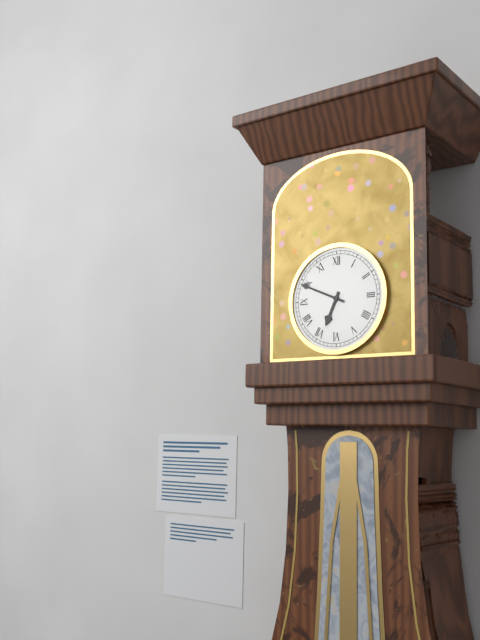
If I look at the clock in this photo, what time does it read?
6:49
